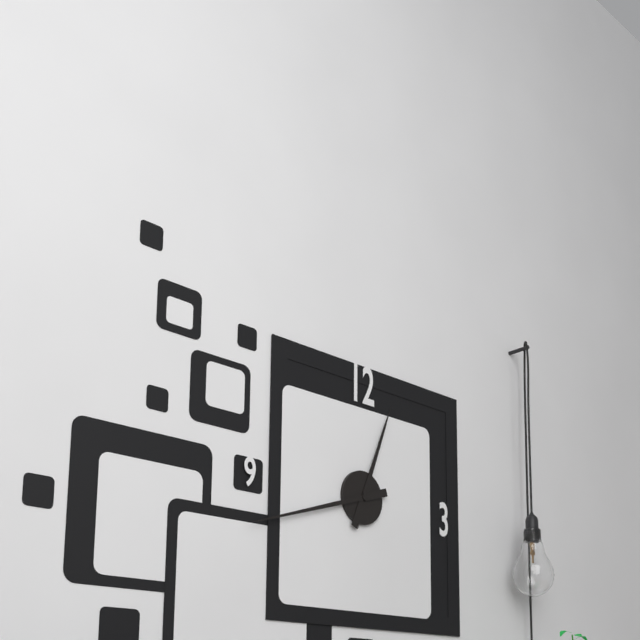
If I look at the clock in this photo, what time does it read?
12:42
